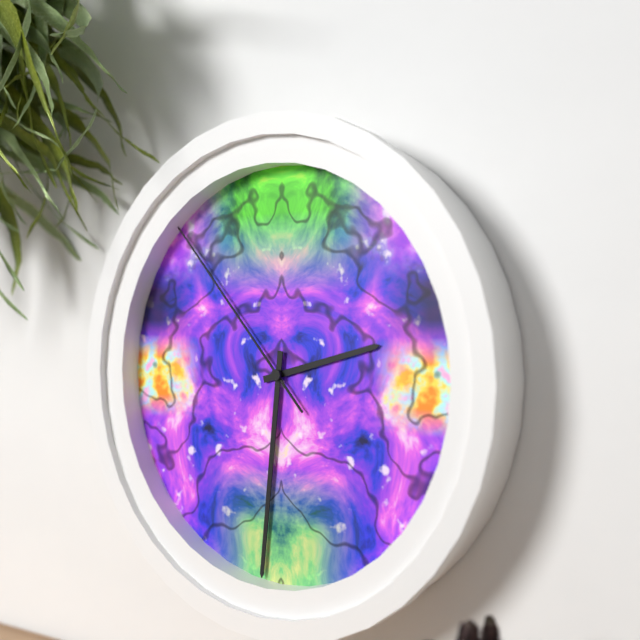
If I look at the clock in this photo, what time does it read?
2:31:53
